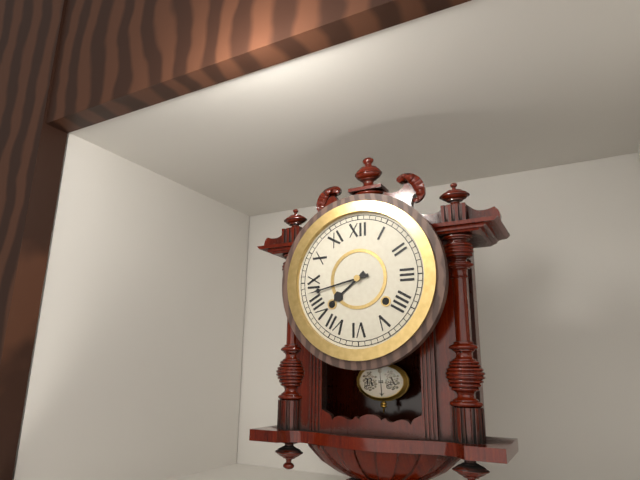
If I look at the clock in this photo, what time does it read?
7:43
